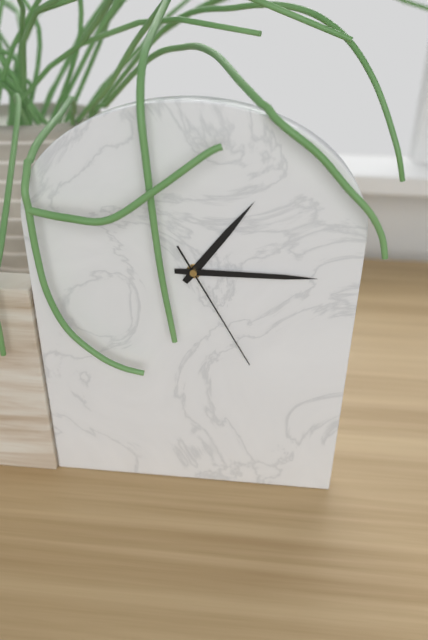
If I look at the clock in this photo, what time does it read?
1:15:25
